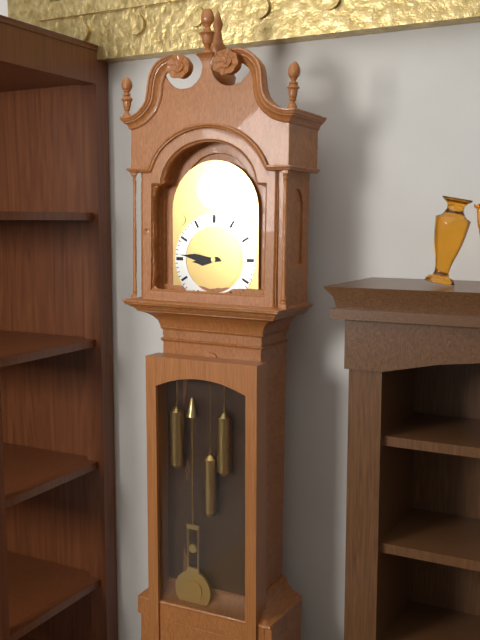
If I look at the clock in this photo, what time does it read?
8:46
